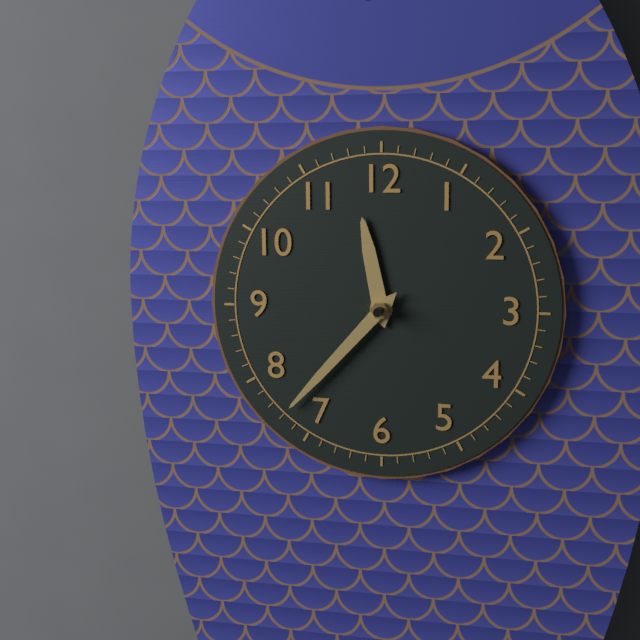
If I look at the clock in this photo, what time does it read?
11:37
